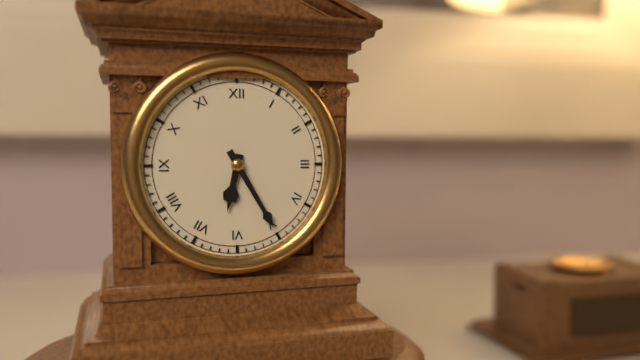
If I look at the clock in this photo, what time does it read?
6:25
